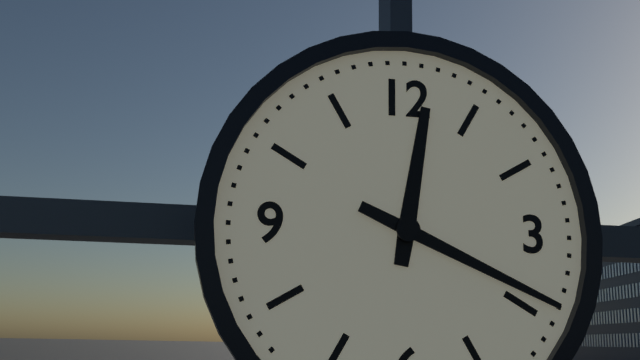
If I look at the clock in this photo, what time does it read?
12:19
